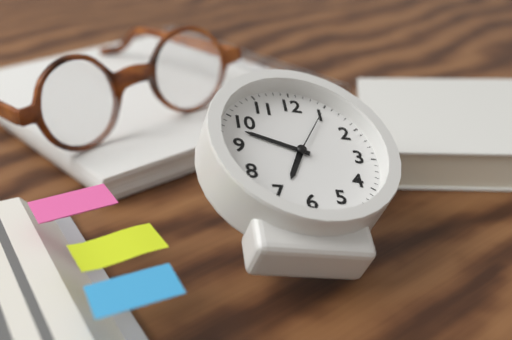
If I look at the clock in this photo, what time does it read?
6:48:05
